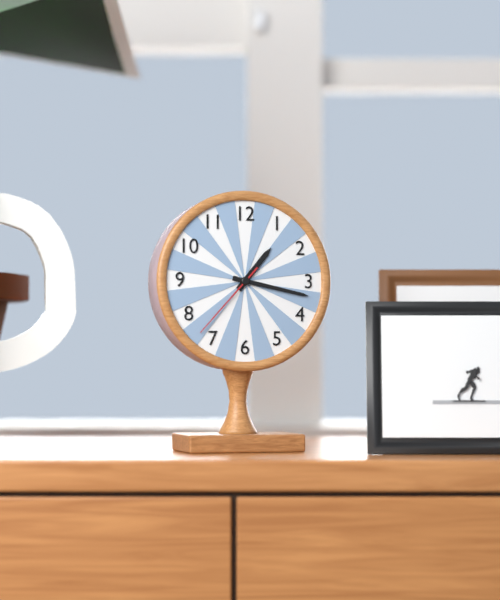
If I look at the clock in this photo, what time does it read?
1:17:37
